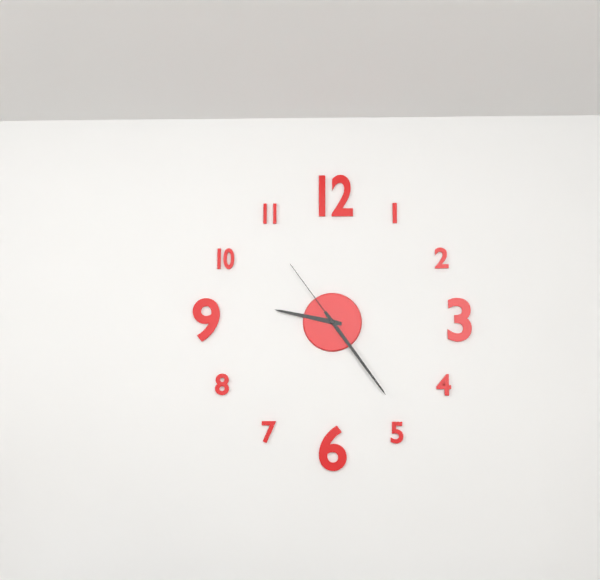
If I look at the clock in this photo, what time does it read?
9:24:54
